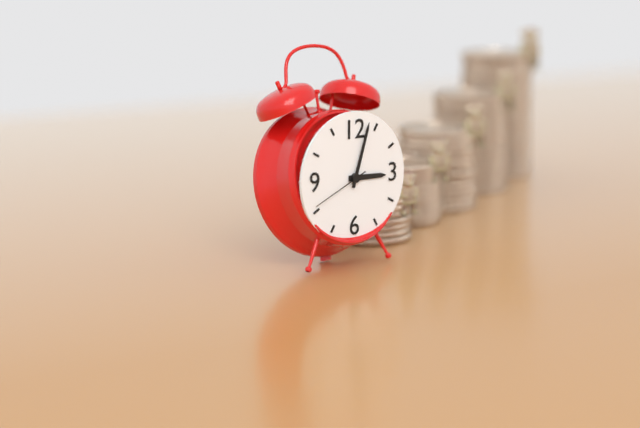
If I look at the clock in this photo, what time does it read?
3:03:41
